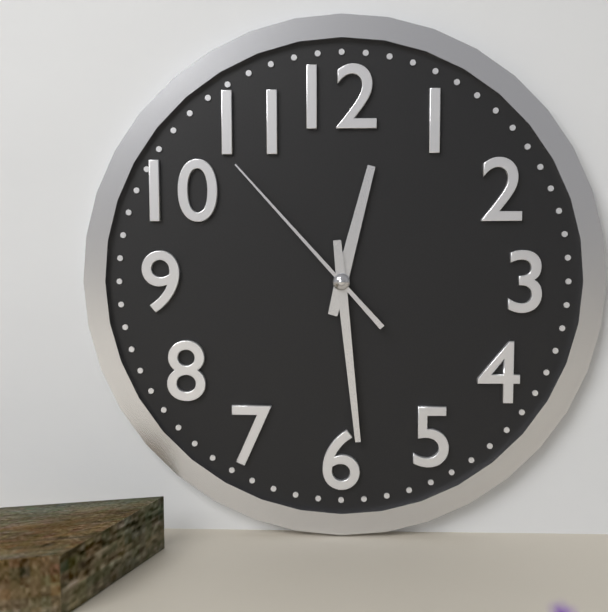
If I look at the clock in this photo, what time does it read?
12:29:53
